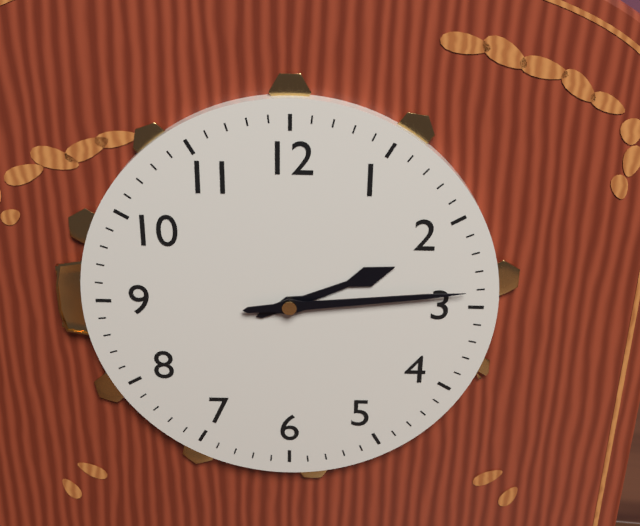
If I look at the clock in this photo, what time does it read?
2:14
